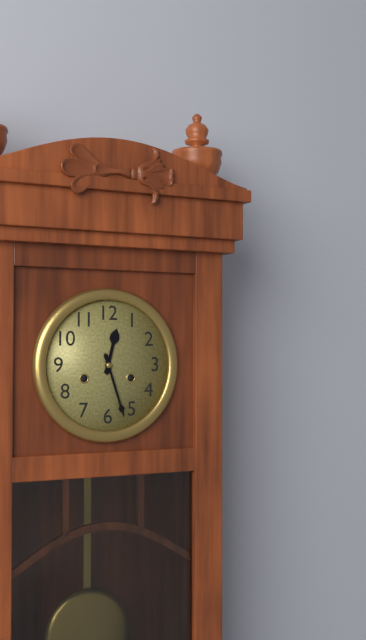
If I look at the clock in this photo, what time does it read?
12:27
